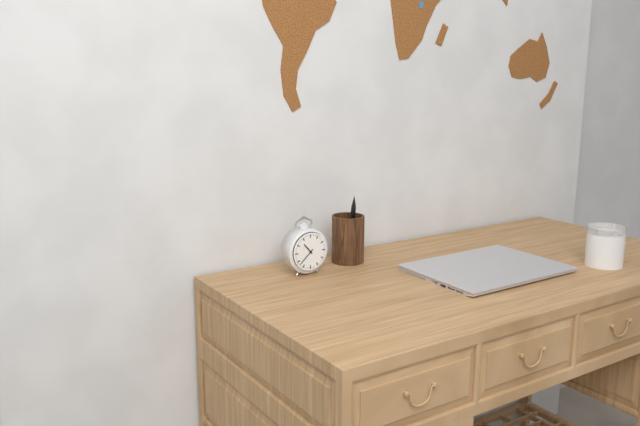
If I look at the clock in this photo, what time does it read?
10:38
